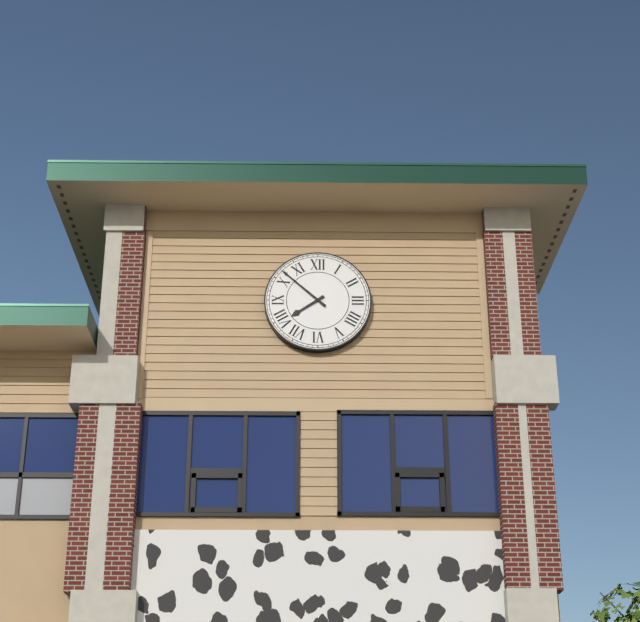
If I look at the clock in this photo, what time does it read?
7:52
